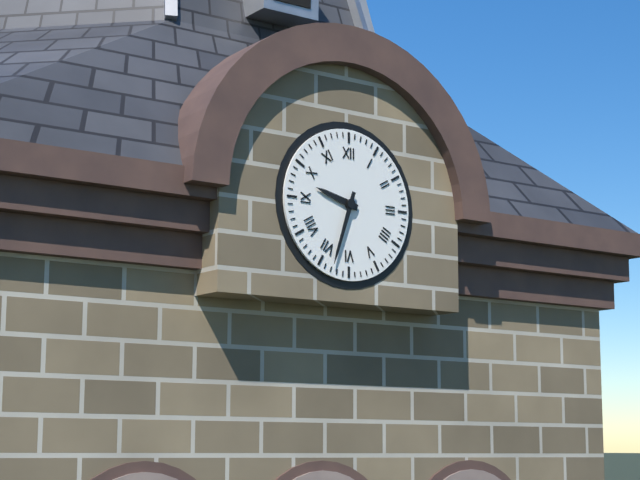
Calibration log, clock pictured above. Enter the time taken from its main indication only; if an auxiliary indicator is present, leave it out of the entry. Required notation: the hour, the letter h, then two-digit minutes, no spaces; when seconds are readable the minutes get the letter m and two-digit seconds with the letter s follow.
9h33
